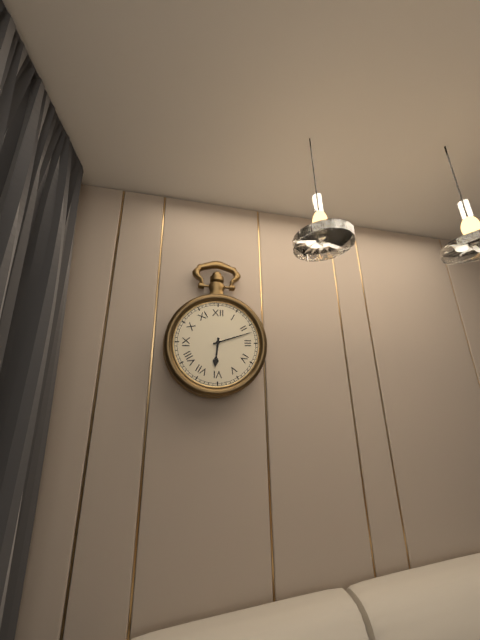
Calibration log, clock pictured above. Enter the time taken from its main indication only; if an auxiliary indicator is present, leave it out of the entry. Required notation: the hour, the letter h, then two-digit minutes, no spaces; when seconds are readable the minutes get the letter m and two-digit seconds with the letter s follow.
6h12
